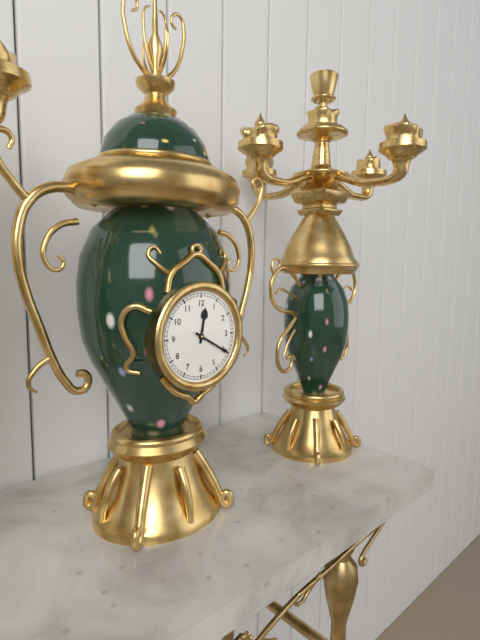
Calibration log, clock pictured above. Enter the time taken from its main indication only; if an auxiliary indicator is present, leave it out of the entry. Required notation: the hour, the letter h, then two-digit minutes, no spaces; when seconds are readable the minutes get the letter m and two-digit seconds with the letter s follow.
12h20
